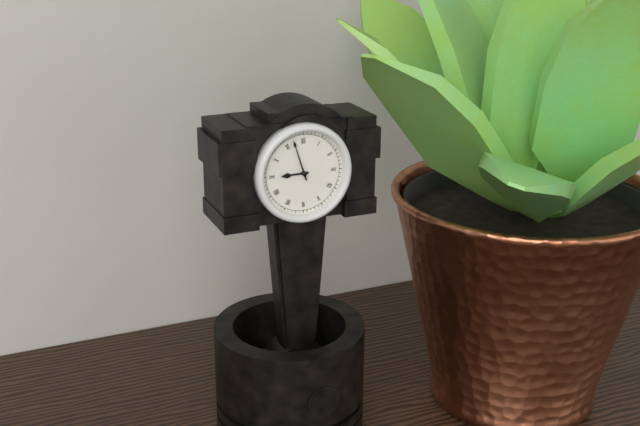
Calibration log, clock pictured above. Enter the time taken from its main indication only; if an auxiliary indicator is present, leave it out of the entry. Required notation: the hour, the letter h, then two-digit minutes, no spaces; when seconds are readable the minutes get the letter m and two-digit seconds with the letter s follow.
8h57
